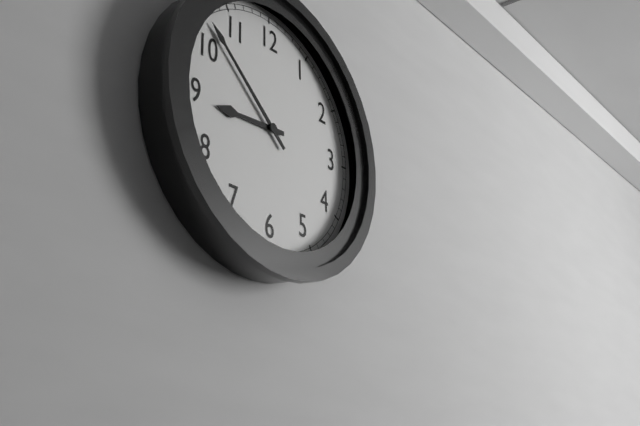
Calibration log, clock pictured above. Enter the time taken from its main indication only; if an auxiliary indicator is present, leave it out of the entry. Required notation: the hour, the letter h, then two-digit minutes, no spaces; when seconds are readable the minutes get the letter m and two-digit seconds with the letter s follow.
8h52
